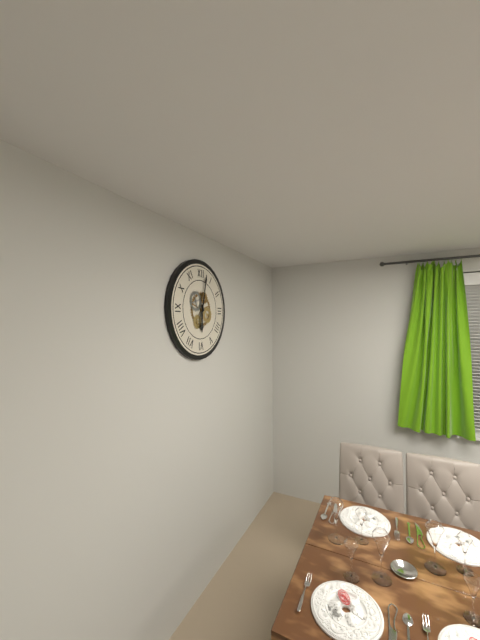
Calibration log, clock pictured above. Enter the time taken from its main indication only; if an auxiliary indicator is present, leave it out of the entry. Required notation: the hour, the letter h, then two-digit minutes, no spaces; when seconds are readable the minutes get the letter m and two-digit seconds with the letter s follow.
6h02
